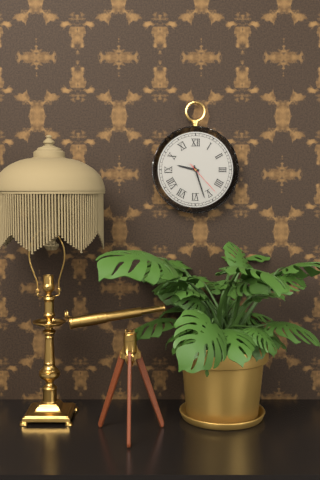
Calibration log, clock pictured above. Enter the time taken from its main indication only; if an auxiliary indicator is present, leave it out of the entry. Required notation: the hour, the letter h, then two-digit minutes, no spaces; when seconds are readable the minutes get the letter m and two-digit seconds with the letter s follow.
9h27
